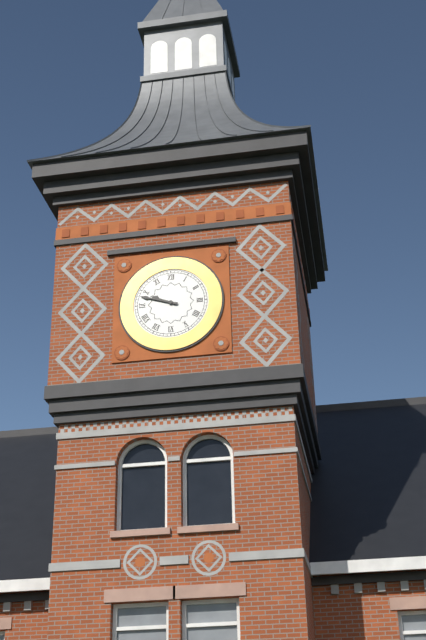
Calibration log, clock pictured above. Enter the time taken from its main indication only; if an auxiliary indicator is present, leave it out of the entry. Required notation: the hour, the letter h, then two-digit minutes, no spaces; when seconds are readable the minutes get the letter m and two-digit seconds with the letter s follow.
9h48
